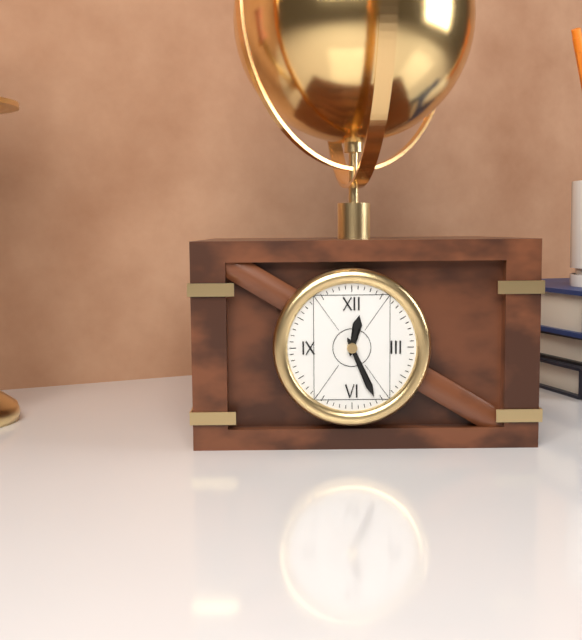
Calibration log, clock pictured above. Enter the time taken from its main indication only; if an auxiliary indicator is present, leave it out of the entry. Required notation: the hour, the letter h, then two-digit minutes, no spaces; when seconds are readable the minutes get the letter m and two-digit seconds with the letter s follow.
12h26
